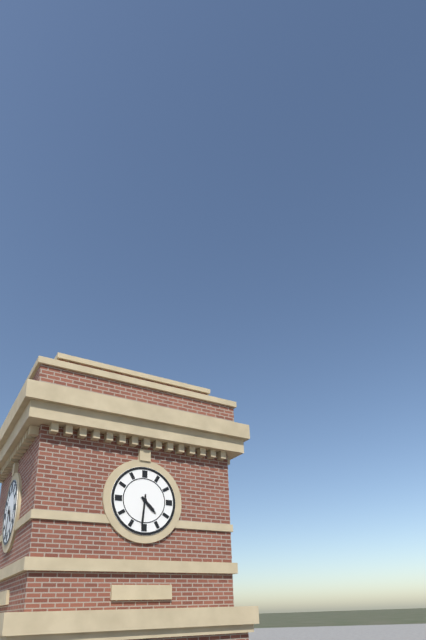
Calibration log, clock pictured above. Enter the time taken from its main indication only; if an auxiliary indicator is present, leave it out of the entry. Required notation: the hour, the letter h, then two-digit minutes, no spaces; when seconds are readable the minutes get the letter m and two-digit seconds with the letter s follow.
4h31
